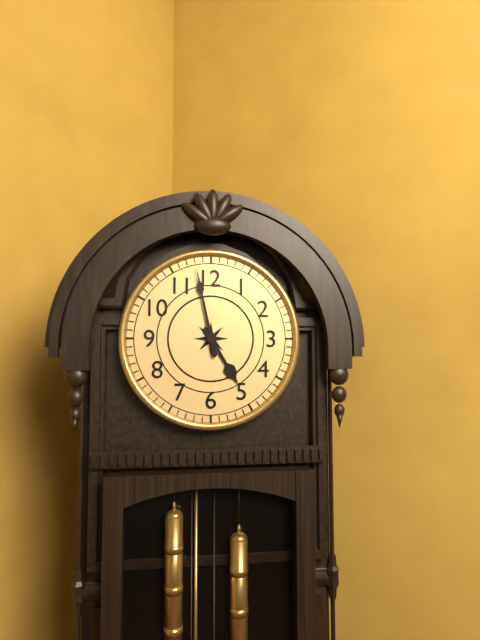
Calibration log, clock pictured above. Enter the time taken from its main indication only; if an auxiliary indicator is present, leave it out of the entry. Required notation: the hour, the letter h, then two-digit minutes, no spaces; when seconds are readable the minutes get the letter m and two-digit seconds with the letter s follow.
4h58
